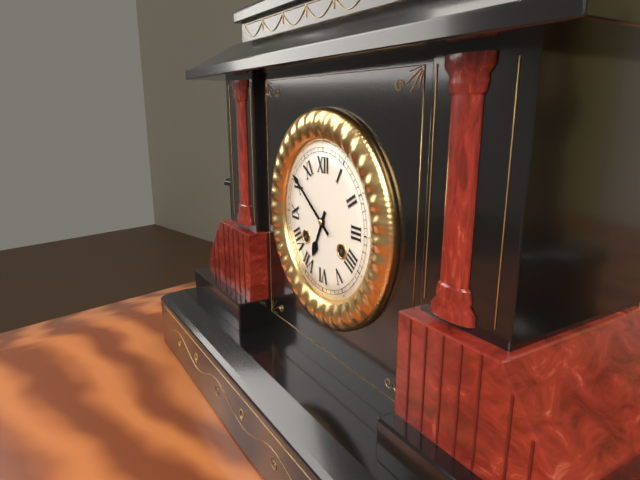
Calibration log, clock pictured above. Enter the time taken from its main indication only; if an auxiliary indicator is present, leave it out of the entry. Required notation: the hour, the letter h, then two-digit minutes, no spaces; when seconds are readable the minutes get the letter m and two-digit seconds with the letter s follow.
6h51
